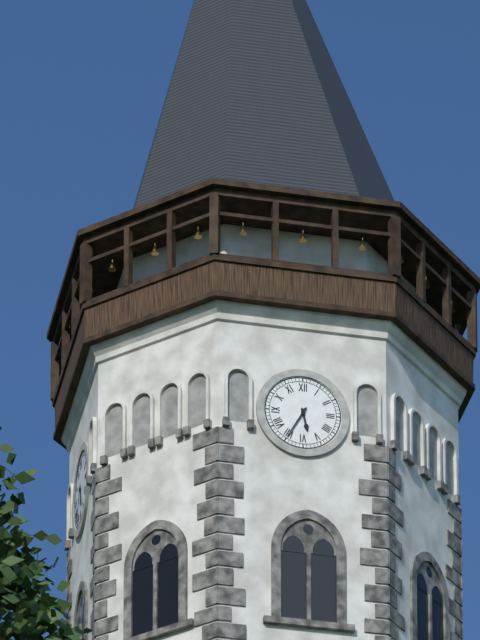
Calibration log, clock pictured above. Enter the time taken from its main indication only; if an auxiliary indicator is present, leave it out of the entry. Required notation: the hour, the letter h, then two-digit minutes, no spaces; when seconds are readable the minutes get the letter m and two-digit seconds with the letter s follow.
5h35
